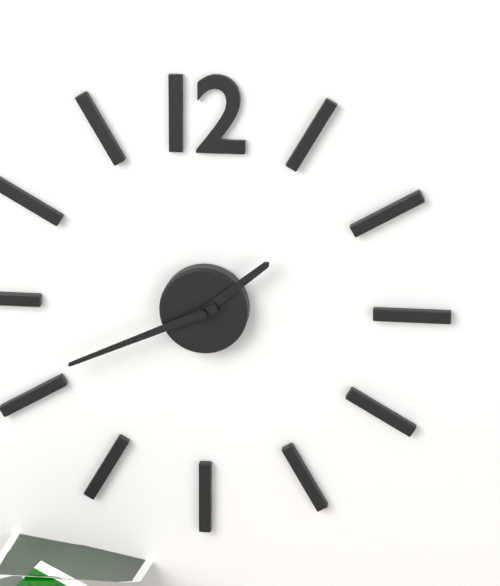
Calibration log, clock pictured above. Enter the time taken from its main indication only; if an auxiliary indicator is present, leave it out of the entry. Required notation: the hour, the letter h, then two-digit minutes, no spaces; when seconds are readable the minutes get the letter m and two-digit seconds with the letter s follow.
1h41
